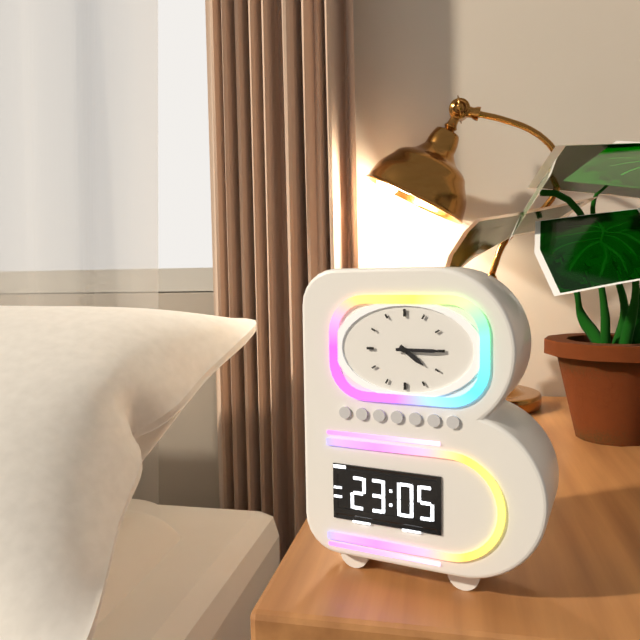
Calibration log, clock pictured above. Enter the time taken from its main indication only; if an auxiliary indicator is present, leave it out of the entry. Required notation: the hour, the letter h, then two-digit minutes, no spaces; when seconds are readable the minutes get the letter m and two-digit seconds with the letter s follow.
4h15
